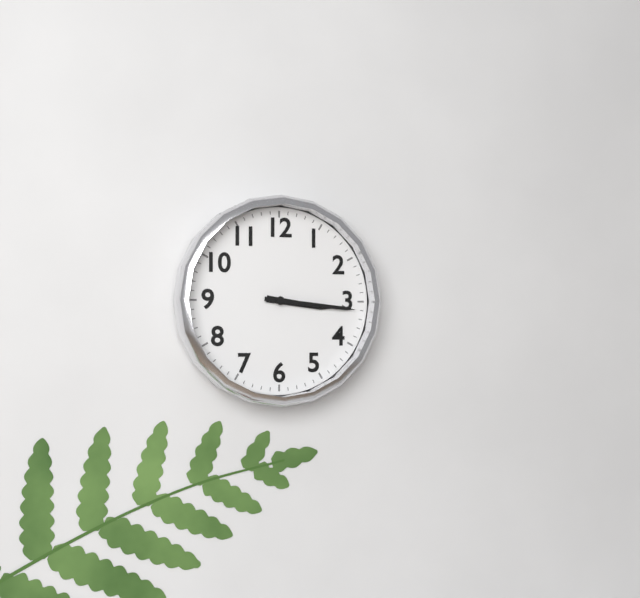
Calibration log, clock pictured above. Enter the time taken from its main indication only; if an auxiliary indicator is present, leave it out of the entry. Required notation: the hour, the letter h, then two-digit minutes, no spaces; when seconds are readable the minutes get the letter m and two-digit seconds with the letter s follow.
3h16
